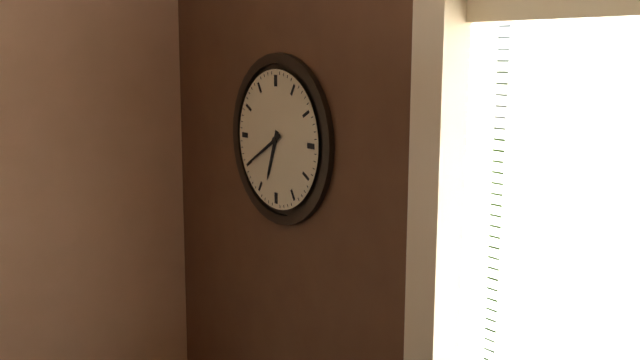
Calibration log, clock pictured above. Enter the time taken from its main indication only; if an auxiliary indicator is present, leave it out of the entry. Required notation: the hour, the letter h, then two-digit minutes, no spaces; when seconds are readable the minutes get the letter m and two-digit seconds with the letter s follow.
6h40
